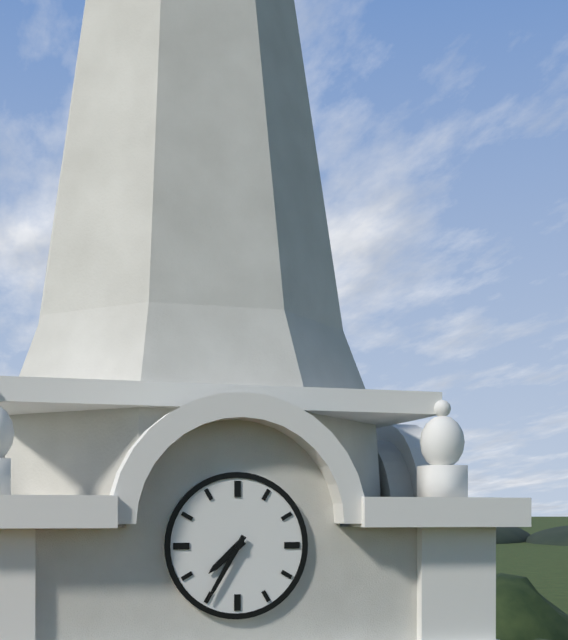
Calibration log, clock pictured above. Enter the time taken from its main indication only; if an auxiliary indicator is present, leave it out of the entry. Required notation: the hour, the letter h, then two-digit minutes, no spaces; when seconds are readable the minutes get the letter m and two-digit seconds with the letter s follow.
7h35
